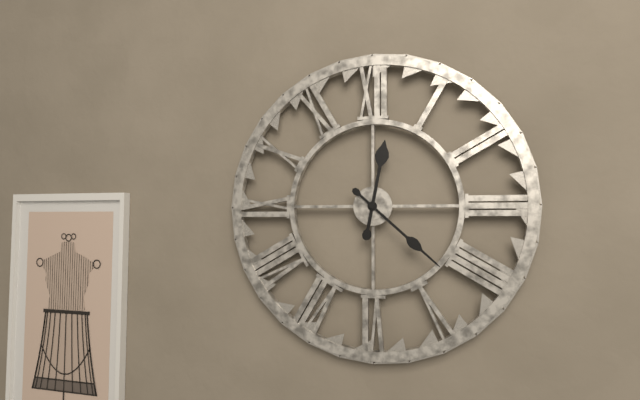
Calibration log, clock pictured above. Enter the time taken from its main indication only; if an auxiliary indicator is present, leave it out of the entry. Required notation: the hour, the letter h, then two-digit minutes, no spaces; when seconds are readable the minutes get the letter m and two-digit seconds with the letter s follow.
12h22
